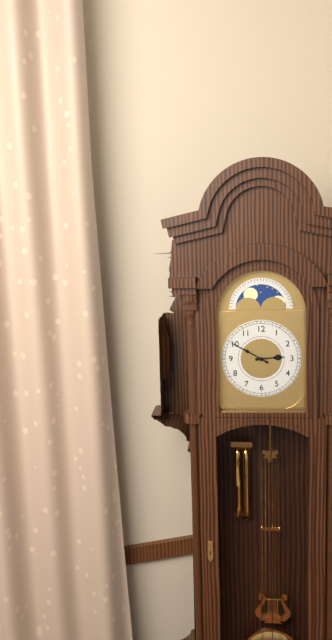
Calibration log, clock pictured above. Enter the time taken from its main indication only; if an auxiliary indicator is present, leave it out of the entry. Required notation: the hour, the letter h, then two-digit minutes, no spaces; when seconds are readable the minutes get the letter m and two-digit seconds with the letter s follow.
2h50
